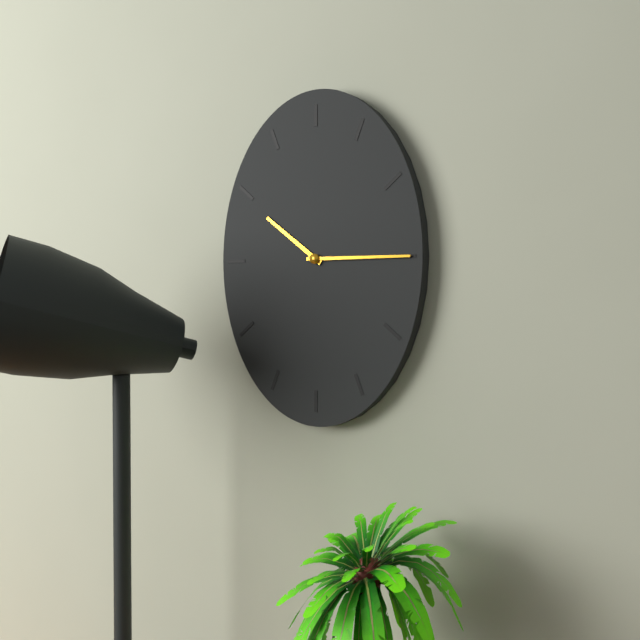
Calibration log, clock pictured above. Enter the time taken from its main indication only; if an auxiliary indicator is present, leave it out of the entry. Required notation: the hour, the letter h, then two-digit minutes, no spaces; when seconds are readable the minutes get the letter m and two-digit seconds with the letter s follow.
10h15
